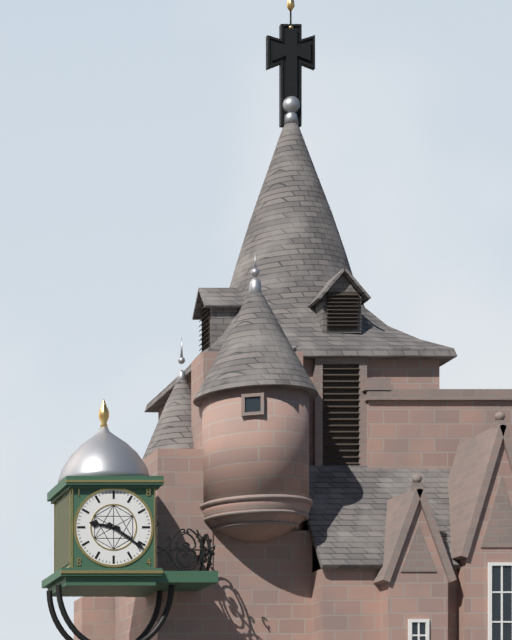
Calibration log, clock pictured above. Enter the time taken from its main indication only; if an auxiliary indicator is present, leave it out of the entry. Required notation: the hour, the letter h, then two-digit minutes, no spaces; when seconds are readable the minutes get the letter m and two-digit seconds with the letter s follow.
9h21
